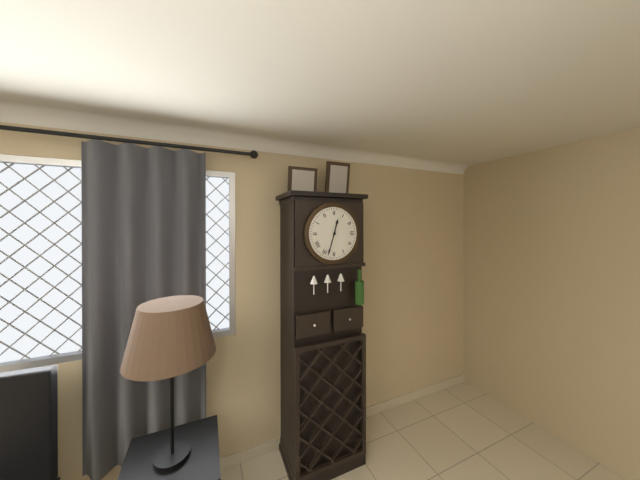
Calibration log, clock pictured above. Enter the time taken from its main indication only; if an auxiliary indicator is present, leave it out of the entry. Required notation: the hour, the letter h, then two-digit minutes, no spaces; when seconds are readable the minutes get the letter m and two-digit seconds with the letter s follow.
12h33
